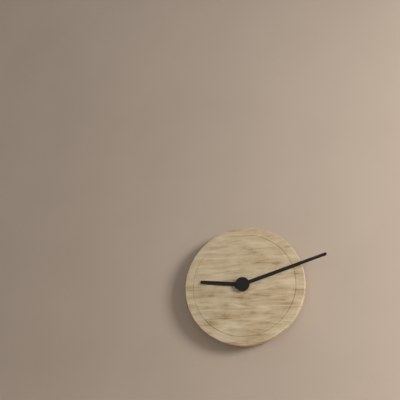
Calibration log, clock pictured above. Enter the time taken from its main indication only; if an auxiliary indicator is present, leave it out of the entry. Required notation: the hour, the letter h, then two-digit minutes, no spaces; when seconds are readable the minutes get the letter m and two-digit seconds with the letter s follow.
9h12
